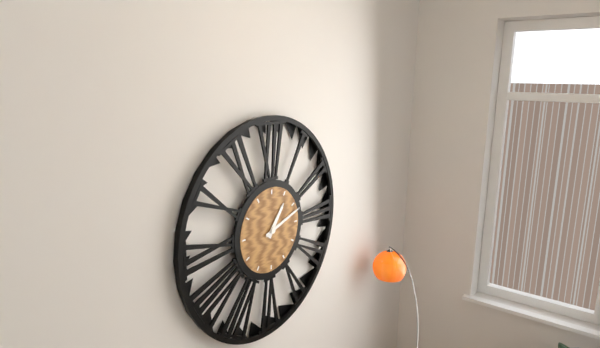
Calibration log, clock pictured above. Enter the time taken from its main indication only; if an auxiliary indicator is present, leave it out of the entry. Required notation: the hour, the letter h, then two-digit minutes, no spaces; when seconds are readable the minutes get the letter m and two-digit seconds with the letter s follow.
1h12
